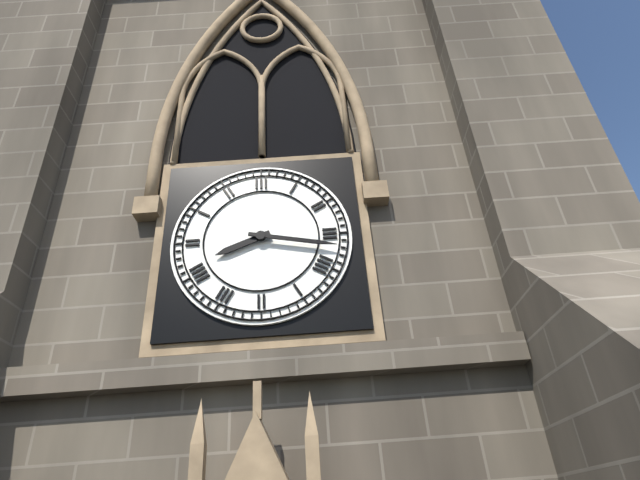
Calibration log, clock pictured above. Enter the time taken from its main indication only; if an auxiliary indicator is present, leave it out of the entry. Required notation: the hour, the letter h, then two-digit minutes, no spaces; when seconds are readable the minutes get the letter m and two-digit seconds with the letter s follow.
8h17
